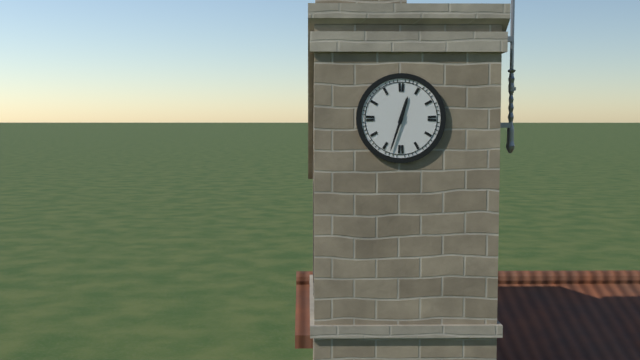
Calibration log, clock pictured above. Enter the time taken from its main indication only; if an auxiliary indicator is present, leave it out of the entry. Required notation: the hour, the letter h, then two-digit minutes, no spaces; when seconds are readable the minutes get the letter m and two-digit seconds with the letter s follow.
12h33
